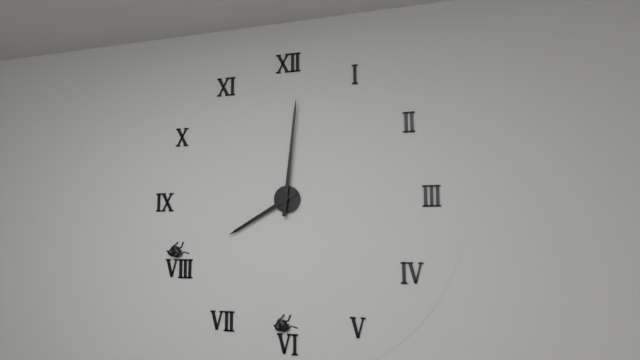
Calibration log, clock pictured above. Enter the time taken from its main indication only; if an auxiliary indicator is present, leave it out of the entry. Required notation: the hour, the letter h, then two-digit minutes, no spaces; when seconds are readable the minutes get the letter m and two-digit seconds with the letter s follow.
8h01
